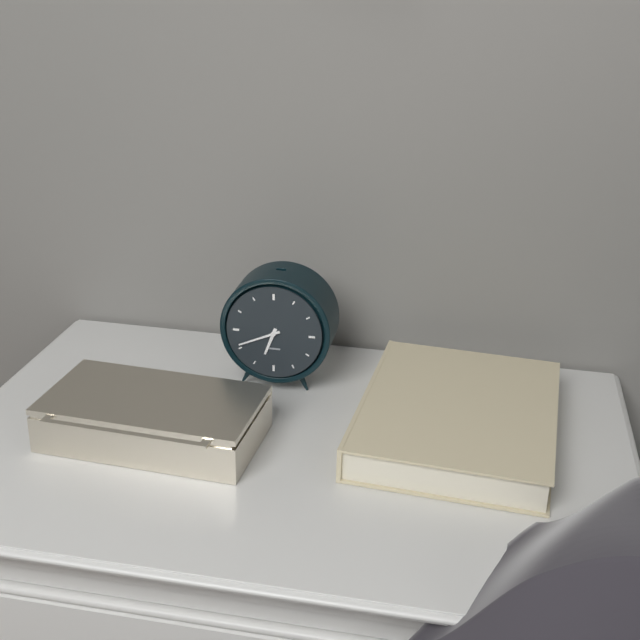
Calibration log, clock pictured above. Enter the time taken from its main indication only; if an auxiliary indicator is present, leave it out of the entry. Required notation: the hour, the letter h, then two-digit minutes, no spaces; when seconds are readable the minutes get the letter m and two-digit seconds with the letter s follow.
6h41
